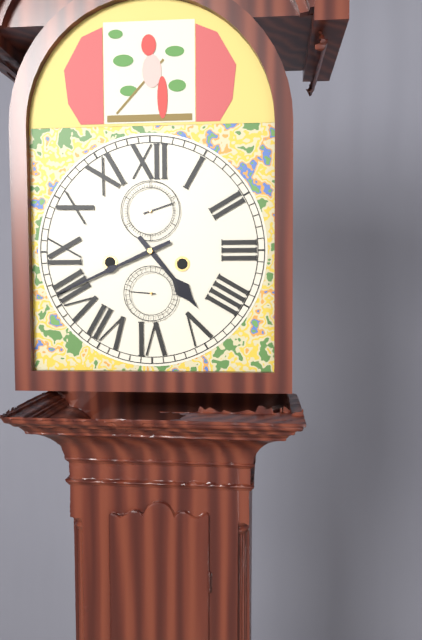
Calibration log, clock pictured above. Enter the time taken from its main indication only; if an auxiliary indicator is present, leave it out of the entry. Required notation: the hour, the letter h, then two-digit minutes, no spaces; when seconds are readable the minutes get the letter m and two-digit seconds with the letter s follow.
4h41
